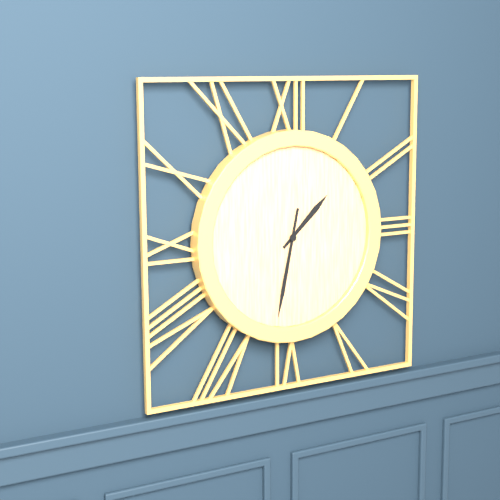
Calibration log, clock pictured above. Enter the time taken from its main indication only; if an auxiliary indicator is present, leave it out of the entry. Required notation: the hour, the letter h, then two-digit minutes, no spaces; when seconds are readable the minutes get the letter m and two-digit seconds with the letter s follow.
1h32
